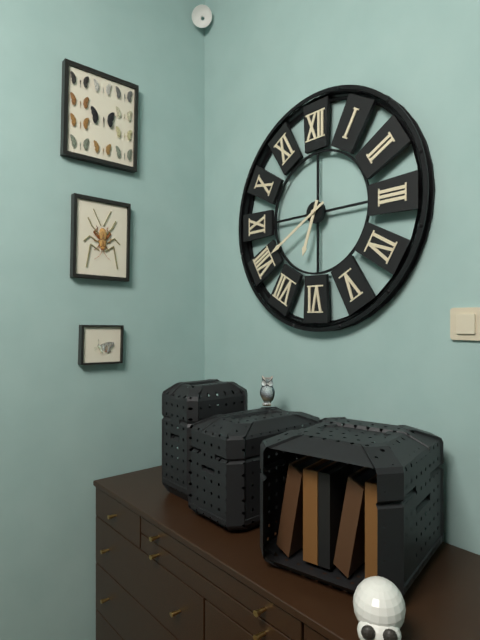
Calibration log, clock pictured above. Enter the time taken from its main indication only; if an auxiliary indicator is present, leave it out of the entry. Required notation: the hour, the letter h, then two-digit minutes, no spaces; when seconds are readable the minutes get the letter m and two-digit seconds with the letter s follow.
6h40
